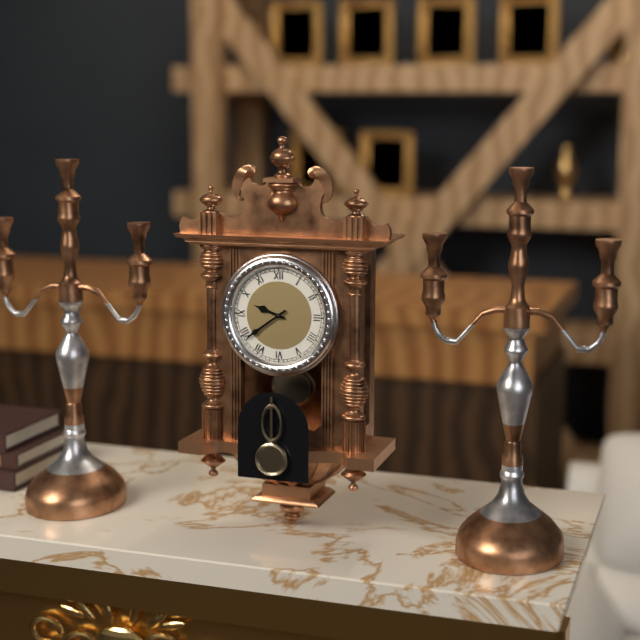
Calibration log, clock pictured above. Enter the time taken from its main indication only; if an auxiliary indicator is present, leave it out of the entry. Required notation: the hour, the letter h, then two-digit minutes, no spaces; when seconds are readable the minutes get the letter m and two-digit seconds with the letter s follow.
9h39
